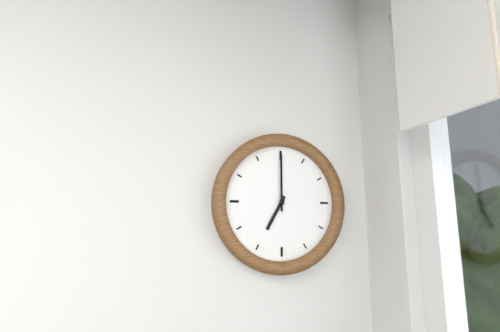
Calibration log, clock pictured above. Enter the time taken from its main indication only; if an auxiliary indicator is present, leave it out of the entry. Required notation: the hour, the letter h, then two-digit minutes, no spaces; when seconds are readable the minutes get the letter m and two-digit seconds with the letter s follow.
7h00
